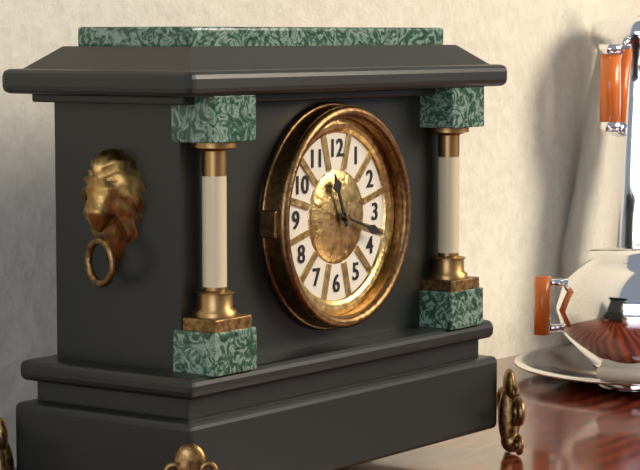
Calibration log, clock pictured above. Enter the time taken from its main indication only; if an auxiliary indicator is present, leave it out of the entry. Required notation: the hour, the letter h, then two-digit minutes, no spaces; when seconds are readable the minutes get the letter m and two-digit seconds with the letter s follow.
11h18
